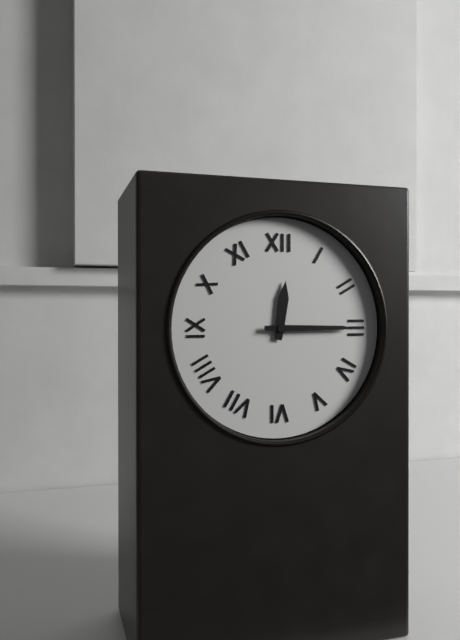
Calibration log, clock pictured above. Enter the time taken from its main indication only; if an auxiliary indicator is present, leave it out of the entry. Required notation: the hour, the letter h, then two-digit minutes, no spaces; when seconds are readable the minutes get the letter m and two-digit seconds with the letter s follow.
12h15
